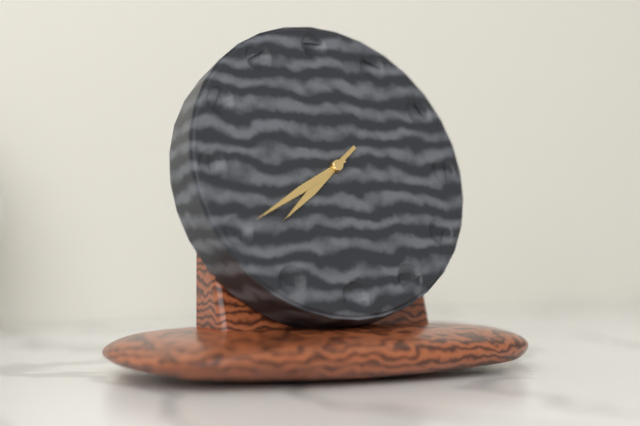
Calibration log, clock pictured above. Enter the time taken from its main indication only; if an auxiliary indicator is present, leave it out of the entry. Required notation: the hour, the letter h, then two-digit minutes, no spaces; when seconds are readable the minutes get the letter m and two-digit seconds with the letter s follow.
7h40
